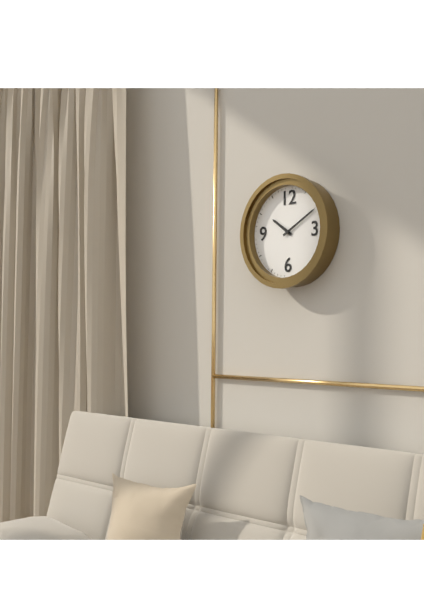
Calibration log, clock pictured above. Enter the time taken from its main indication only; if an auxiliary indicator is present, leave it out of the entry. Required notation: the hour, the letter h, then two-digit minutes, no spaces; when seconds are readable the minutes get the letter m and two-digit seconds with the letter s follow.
10h10
